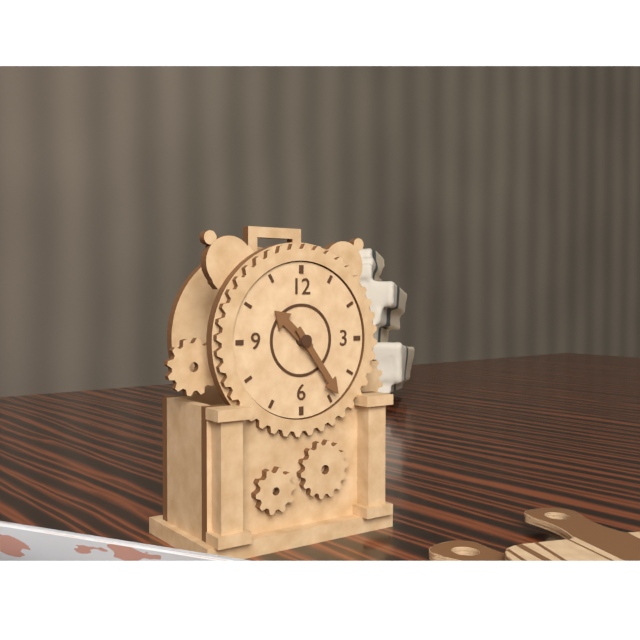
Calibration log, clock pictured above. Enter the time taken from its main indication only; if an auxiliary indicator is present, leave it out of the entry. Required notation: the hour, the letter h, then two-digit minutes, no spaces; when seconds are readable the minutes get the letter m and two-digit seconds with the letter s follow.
10h24
